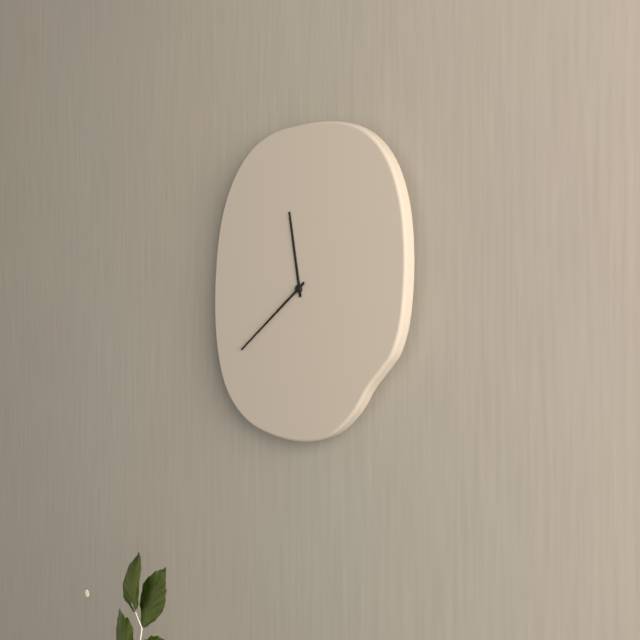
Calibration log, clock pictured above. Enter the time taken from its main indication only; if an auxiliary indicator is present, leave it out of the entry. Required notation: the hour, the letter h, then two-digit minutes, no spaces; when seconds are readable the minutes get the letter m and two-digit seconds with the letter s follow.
11h39
